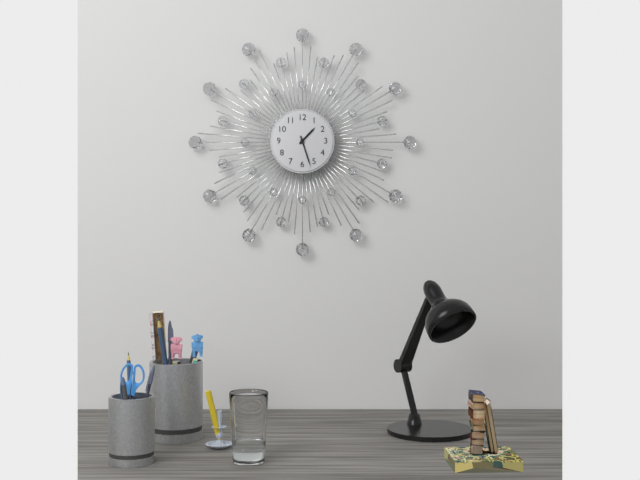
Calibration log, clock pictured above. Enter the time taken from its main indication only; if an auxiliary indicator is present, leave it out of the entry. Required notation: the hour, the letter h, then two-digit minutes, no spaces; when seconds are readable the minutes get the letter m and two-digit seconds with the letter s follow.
1h27
